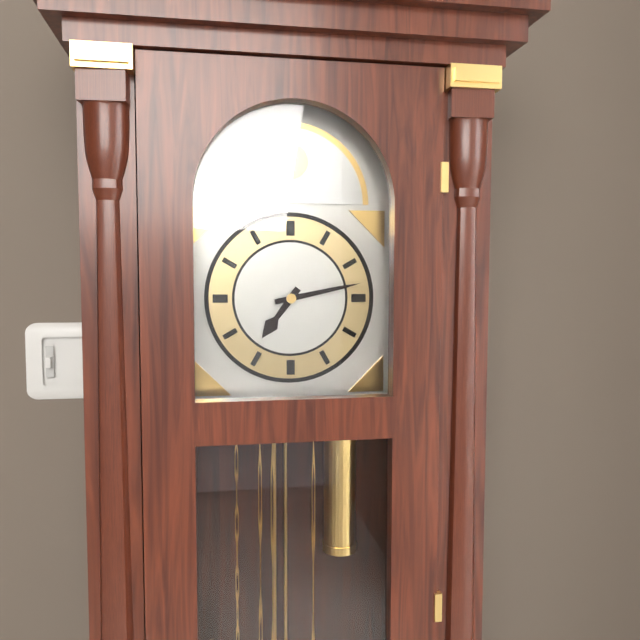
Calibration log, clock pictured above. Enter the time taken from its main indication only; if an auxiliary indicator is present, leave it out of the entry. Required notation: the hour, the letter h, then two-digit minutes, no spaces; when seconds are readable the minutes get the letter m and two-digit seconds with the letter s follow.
7h13
